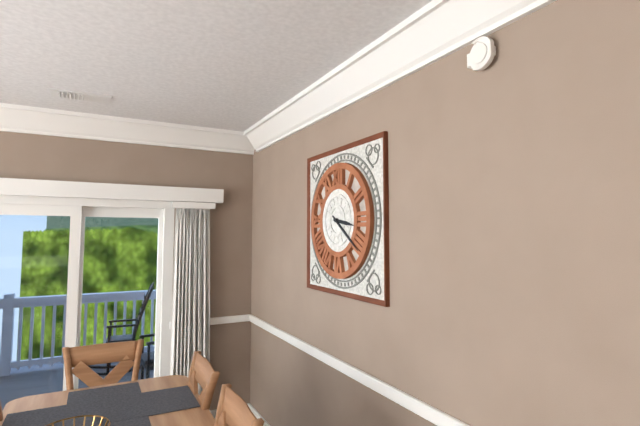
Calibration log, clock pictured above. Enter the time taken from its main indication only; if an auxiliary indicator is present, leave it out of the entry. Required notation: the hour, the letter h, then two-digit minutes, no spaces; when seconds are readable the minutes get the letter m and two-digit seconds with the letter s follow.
3h21
